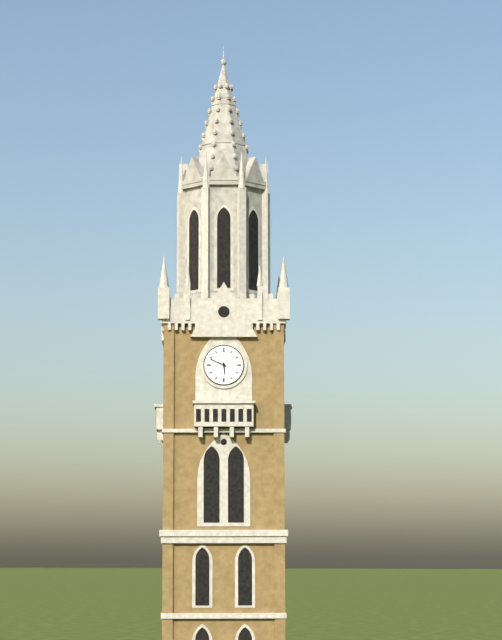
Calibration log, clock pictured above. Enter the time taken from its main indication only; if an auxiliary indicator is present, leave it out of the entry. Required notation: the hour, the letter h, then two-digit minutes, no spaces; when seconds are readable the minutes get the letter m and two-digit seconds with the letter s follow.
5h49
